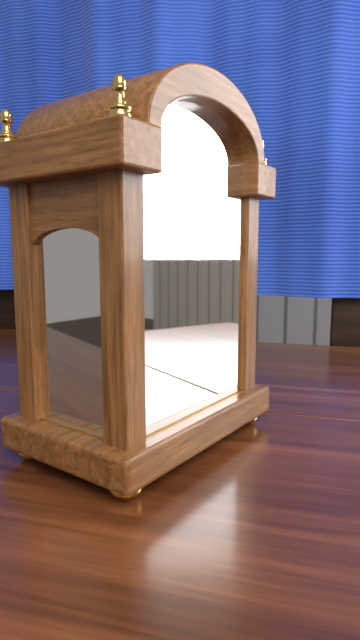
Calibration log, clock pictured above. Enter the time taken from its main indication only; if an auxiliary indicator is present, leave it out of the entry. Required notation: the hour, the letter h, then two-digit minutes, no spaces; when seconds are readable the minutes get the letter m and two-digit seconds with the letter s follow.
1h57
